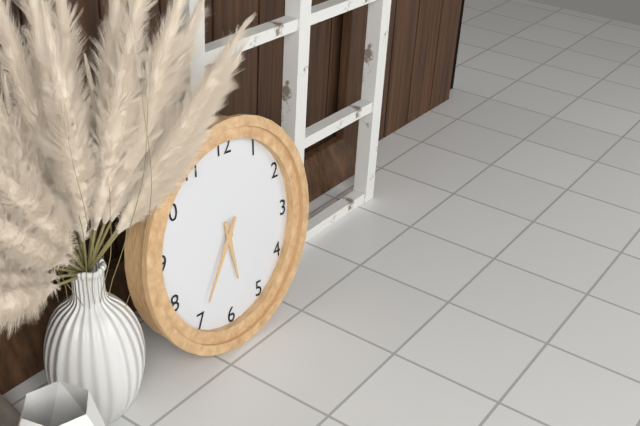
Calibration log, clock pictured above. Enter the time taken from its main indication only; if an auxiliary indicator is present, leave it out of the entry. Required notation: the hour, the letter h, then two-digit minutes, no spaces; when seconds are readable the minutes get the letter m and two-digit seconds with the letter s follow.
5h35
